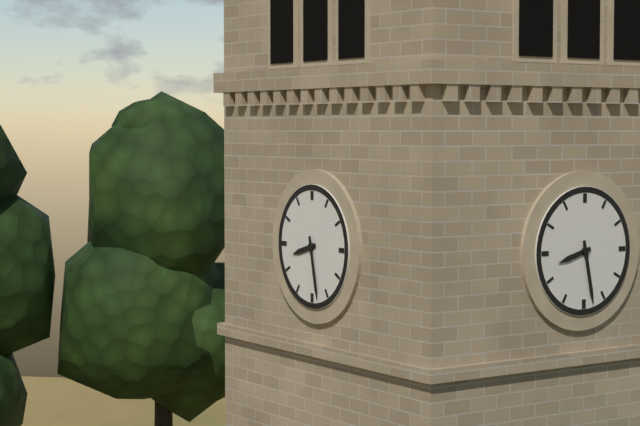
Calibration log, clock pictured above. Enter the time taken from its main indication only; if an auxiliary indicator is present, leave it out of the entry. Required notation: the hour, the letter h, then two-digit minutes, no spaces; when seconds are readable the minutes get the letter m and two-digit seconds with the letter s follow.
8h28
